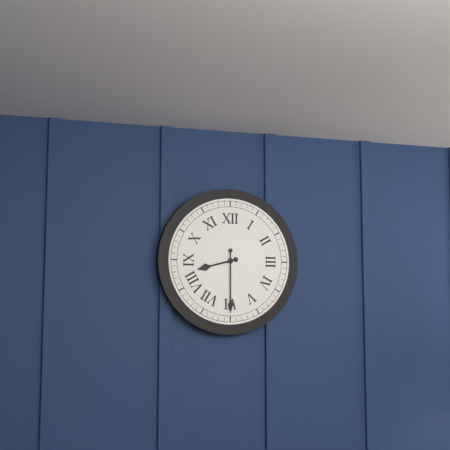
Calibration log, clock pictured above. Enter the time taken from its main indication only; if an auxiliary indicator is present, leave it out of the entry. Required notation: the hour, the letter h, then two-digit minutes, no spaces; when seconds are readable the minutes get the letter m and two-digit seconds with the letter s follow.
8h30
